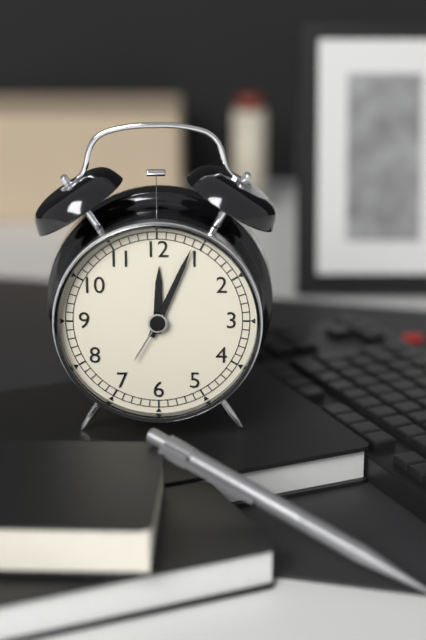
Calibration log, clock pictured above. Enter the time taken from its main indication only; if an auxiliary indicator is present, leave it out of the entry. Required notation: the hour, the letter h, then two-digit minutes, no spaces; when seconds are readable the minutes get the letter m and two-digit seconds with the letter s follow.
12h04
